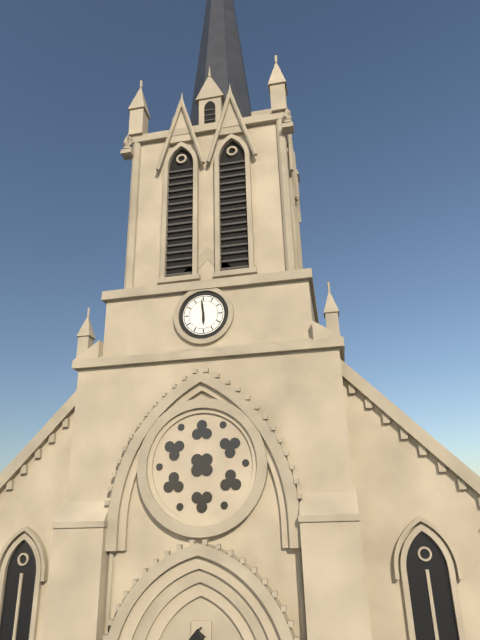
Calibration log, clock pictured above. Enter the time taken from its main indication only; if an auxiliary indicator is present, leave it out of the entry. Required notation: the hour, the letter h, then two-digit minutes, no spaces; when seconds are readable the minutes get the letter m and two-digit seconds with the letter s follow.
5h59
